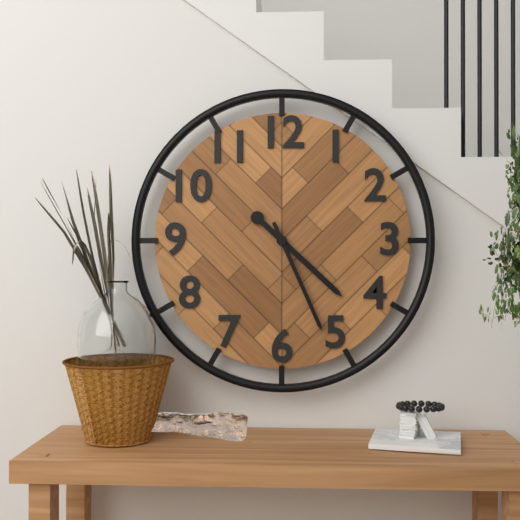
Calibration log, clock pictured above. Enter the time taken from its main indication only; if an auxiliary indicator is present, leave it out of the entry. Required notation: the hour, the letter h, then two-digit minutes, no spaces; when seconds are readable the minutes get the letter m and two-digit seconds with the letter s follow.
4h26
